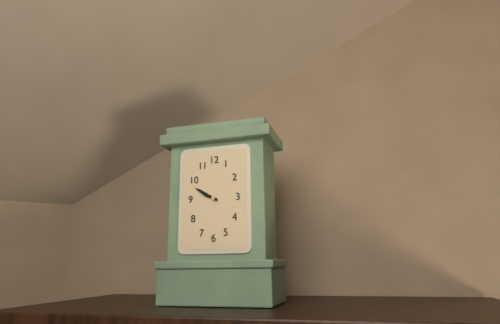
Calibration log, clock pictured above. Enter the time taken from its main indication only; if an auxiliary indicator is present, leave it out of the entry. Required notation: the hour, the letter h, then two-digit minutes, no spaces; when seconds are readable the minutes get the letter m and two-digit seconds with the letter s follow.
9h50
